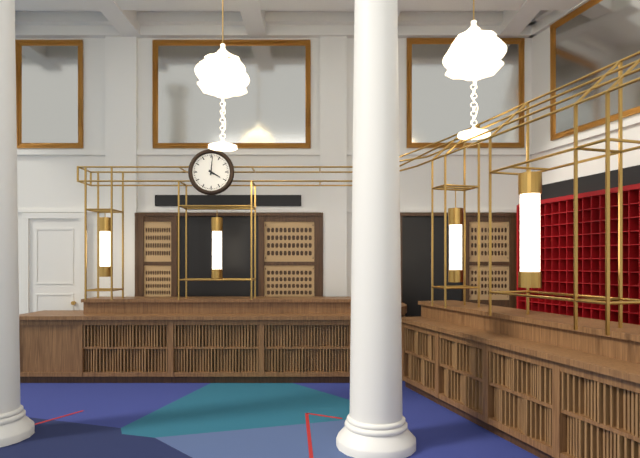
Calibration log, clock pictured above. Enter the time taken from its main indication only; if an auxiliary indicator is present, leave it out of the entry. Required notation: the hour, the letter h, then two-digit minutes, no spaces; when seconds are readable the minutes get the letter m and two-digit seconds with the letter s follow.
4h01
